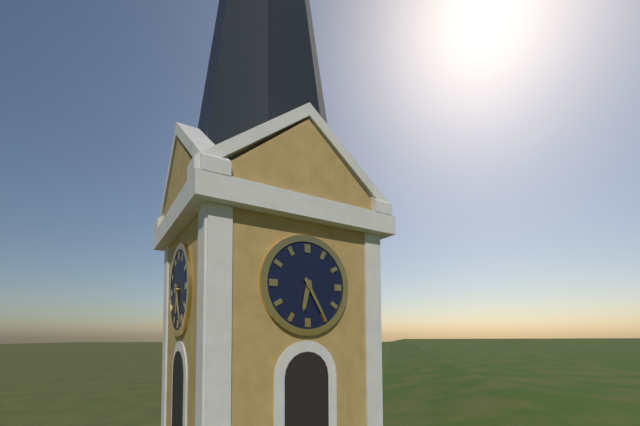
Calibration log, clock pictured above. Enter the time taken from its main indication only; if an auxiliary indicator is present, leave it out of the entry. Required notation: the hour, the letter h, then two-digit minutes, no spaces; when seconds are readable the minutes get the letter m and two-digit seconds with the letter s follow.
6h25
